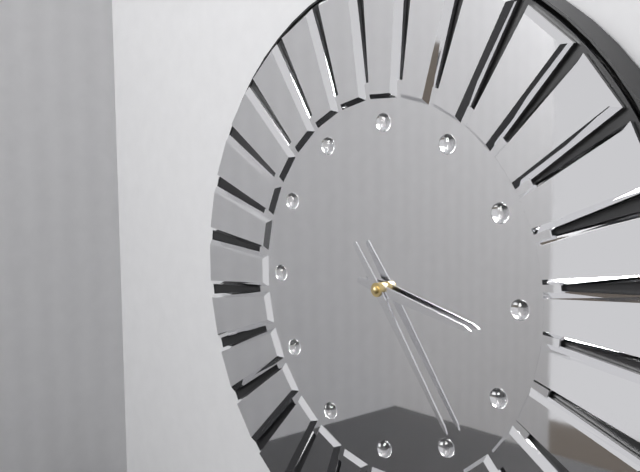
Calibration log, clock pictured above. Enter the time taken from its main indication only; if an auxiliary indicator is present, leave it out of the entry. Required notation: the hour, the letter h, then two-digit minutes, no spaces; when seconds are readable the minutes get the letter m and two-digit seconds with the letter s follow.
3h24
